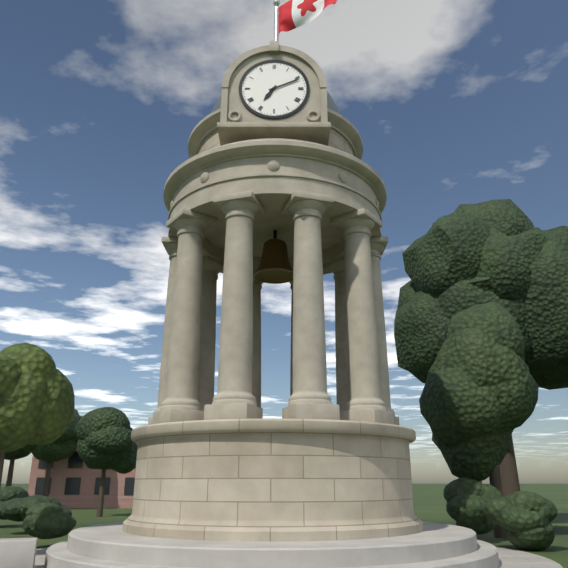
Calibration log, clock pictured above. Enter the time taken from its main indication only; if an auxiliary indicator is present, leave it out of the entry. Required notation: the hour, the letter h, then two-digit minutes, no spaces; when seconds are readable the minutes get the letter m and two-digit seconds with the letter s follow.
7h11
